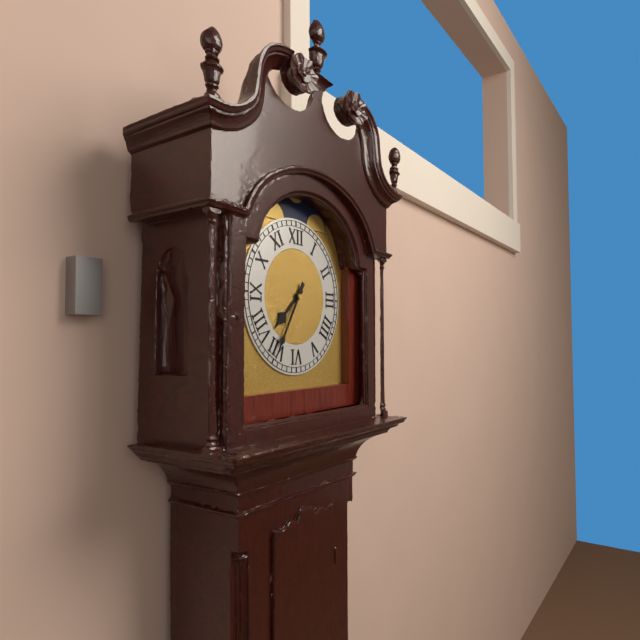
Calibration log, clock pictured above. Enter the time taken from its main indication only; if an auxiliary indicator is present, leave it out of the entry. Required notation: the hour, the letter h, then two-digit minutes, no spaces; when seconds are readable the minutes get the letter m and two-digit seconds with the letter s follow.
7h35
